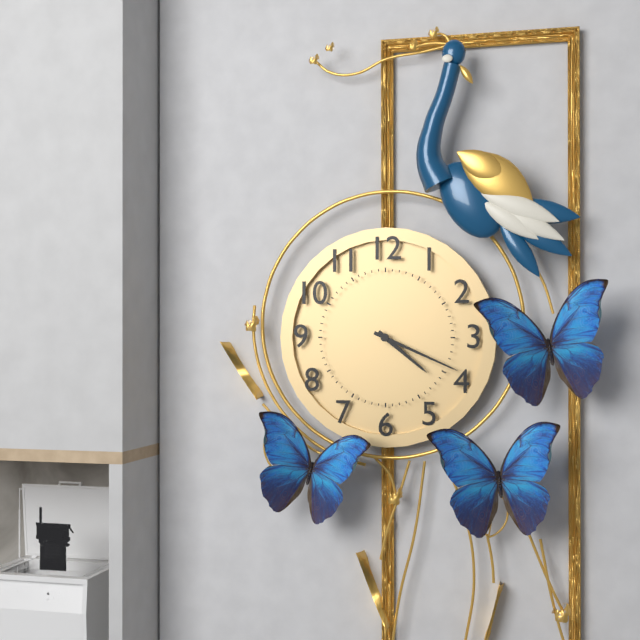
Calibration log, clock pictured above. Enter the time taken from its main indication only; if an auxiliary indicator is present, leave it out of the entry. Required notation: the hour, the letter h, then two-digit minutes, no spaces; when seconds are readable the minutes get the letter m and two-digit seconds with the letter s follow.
4h19
